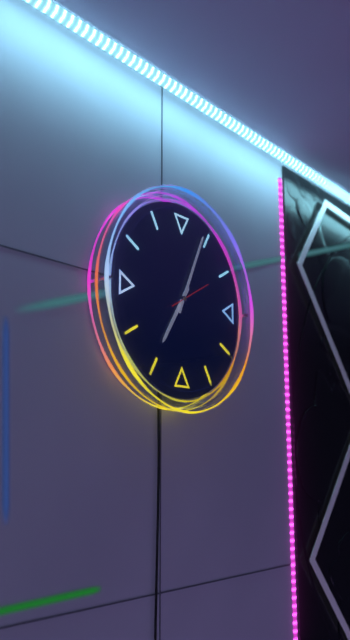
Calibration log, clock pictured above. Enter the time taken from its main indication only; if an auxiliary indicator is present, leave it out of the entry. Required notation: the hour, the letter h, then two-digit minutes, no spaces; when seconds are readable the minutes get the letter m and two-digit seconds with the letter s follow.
7h04
